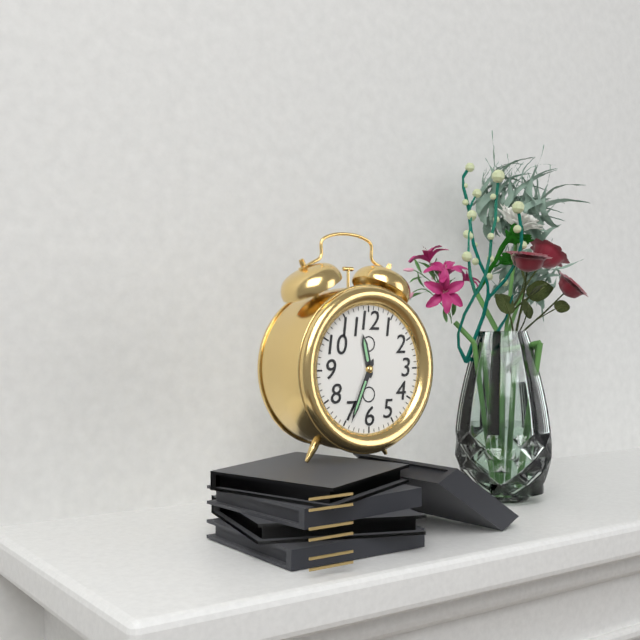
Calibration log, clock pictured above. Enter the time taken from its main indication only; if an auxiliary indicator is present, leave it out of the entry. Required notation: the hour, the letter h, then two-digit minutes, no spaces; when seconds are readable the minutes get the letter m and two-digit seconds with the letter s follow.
11h34
